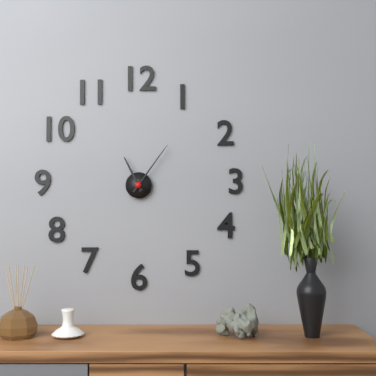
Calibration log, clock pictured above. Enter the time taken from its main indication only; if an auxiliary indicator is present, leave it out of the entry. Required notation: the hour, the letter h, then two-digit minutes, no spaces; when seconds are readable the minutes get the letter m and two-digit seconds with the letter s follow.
11h06
